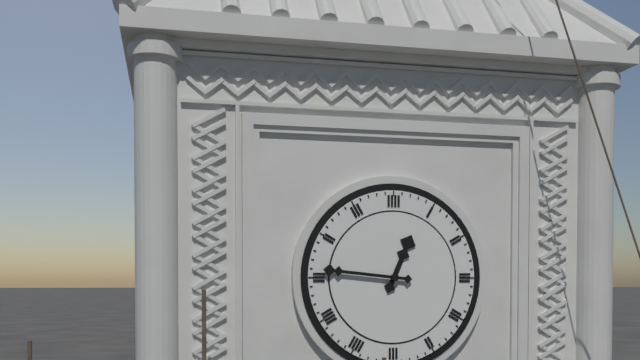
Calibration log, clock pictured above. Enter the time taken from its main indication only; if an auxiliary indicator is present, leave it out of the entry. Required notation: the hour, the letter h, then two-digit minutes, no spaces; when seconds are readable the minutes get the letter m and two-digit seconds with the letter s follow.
12h46
